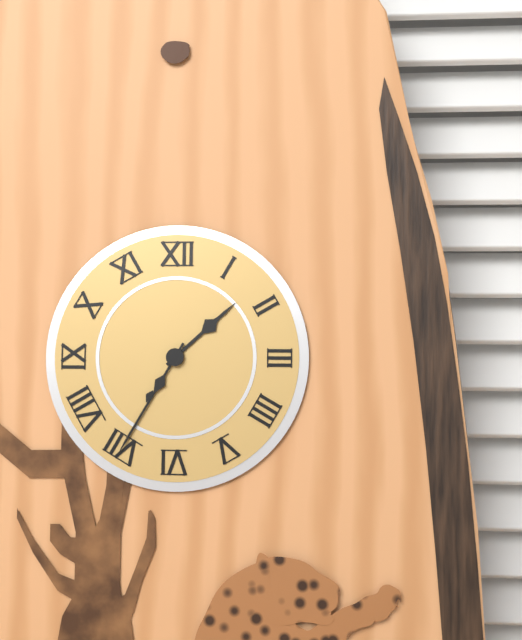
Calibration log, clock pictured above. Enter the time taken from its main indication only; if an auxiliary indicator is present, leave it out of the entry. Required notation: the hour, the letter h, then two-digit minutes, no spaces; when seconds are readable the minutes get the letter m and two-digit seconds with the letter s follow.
1h35
